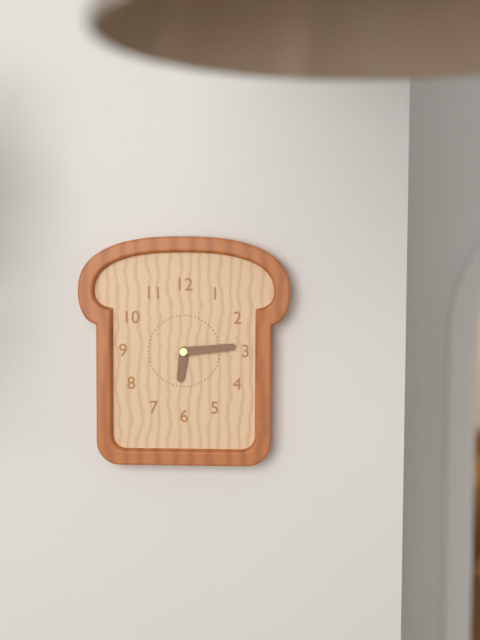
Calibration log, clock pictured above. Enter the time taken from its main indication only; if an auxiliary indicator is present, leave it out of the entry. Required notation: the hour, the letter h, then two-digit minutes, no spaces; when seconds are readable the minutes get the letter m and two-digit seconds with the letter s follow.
6h14
